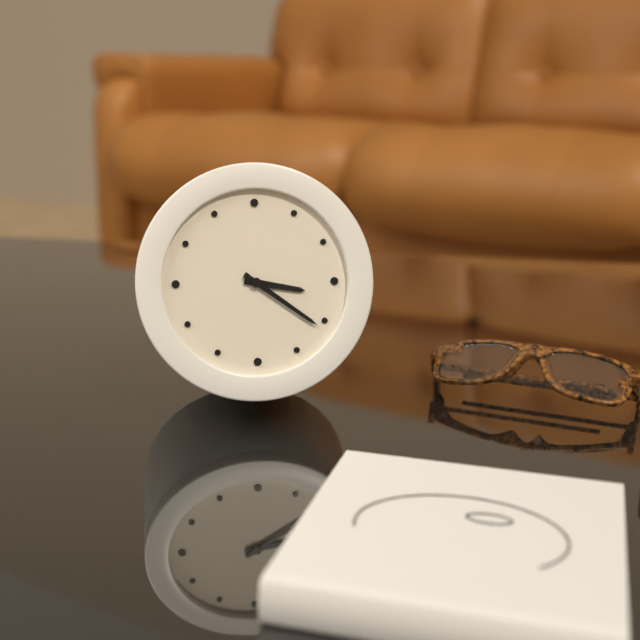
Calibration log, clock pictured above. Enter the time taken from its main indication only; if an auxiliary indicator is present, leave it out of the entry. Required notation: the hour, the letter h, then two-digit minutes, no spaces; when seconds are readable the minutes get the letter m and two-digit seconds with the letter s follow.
3h21
